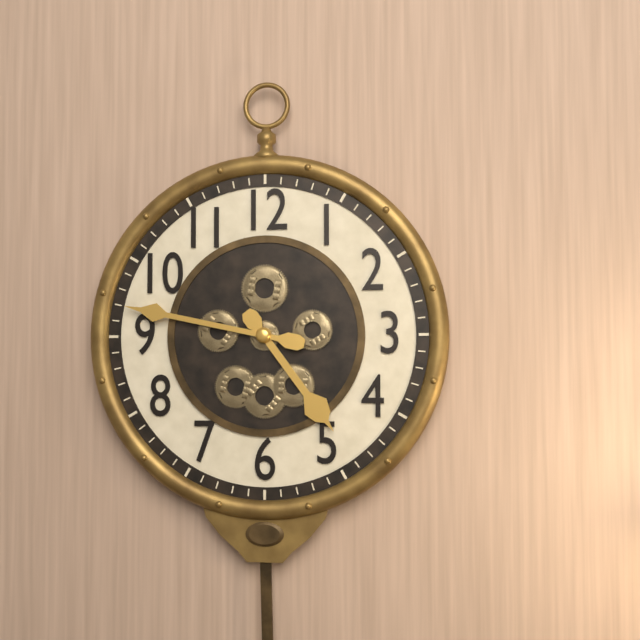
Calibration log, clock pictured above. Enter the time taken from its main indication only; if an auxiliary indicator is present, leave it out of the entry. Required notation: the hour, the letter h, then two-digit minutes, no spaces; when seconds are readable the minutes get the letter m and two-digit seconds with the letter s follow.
4h47
